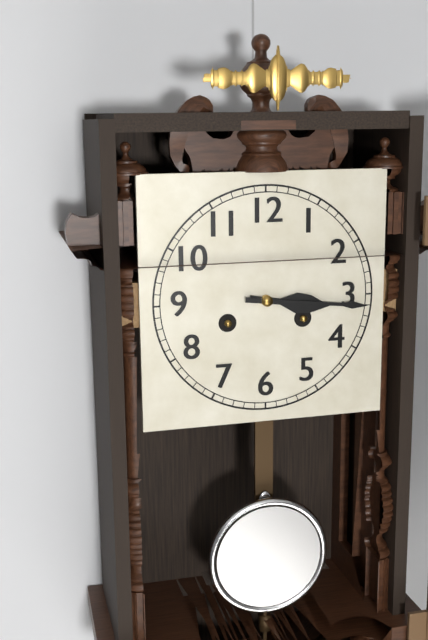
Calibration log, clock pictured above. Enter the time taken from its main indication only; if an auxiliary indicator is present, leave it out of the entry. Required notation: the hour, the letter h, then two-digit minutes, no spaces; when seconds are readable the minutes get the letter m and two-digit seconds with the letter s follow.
3h16
